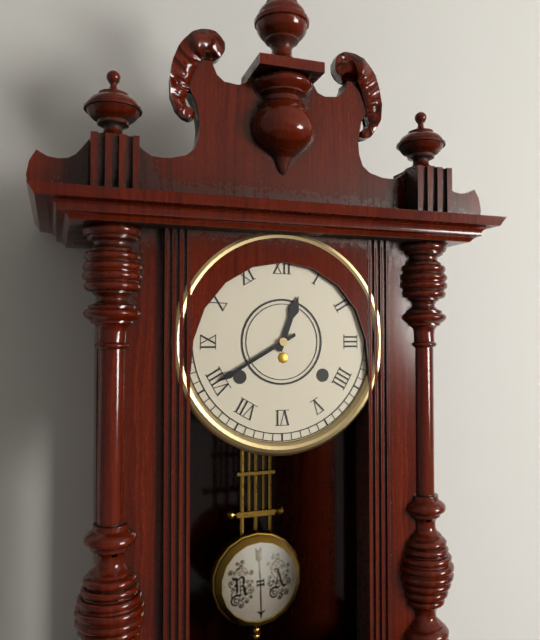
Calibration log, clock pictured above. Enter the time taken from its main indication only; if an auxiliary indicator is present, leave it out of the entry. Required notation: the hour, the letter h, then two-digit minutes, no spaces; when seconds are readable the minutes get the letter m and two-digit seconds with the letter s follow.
12h40
